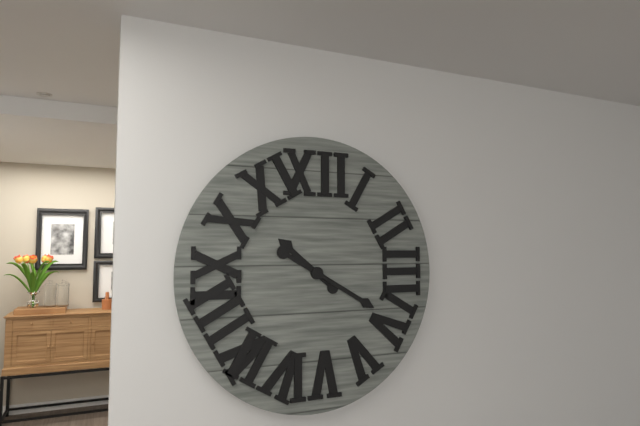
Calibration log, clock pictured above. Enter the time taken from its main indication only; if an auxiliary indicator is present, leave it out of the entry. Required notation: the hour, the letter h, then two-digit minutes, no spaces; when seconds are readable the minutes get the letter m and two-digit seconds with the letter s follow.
10h20
